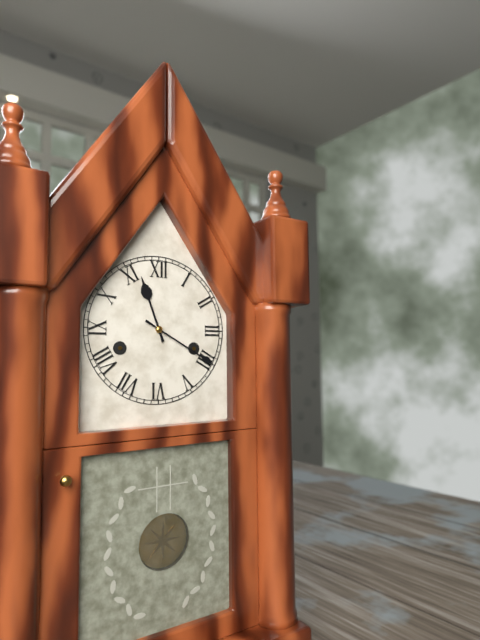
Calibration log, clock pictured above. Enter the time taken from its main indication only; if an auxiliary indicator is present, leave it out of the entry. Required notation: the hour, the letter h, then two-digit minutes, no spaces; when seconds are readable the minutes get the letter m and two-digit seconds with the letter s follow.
11h20
